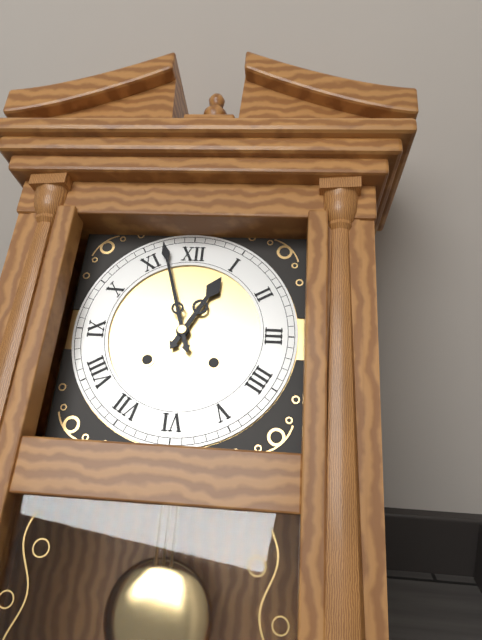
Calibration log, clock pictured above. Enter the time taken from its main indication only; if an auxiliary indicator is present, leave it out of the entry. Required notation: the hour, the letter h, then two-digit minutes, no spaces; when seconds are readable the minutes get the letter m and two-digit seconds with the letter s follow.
12h57
